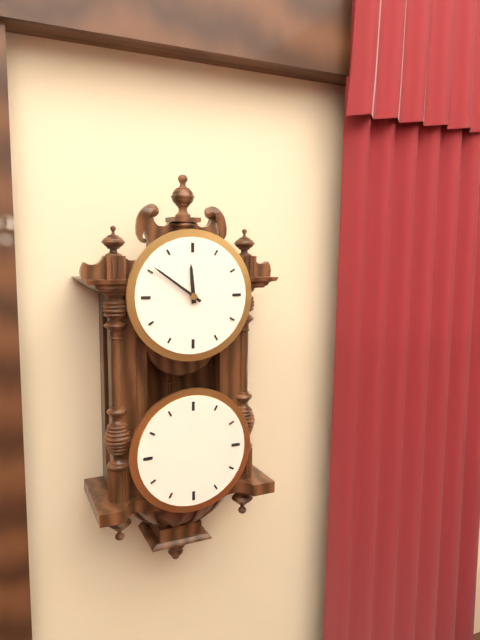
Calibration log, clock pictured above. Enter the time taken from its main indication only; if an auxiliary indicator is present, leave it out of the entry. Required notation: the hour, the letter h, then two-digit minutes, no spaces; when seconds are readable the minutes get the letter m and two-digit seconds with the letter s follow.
11h51
